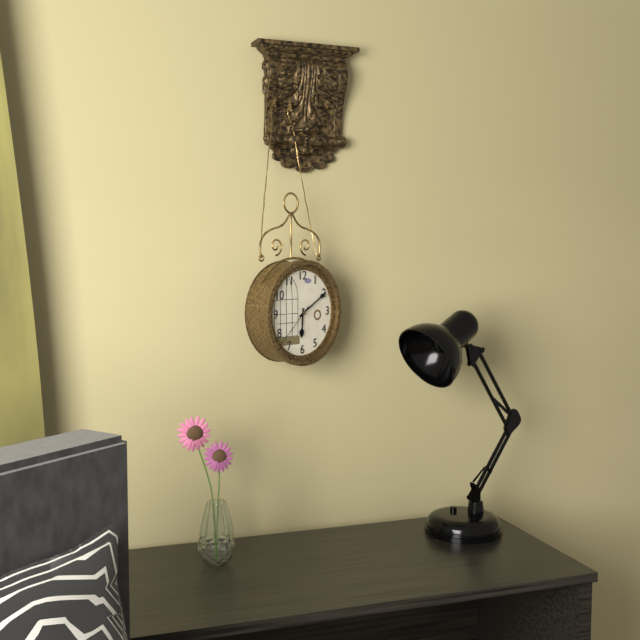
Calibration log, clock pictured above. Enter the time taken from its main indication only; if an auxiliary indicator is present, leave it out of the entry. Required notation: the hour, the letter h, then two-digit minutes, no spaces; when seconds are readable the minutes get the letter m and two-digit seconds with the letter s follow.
6h10
